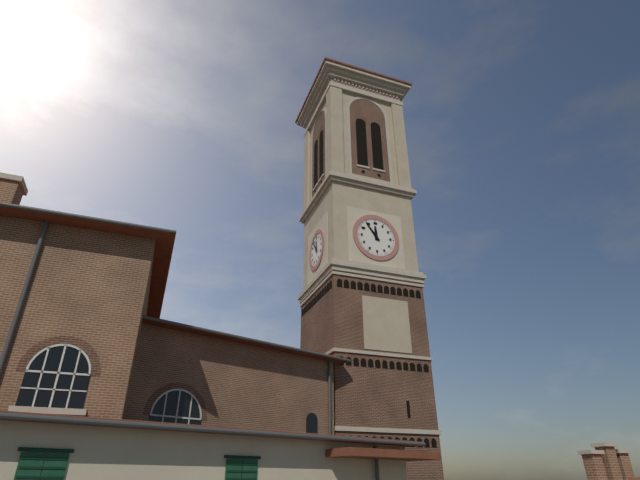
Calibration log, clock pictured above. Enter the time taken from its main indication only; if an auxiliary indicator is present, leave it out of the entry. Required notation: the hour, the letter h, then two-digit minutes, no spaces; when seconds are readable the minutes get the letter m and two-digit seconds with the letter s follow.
11h54
